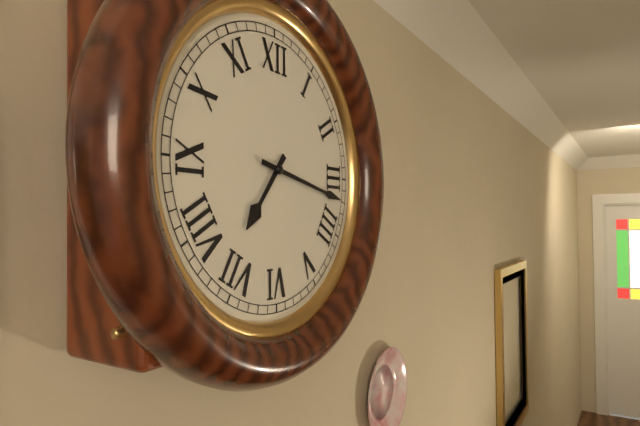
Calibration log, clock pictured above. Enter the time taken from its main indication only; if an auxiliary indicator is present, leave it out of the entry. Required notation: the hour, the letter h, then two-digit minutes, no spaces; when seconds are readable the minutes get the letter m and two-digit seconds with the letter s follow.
7h17
